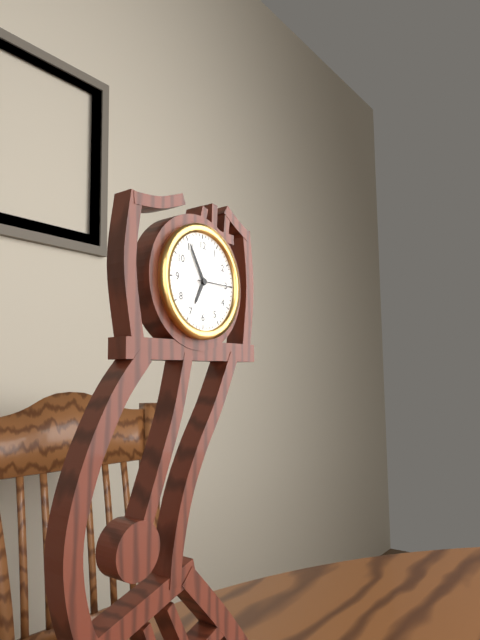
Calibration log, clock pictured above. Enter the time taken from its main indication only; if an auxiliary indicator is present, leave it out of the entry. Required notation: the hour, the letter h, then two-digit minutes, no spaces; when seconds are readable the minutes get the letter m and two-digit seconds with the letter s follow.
6h55
